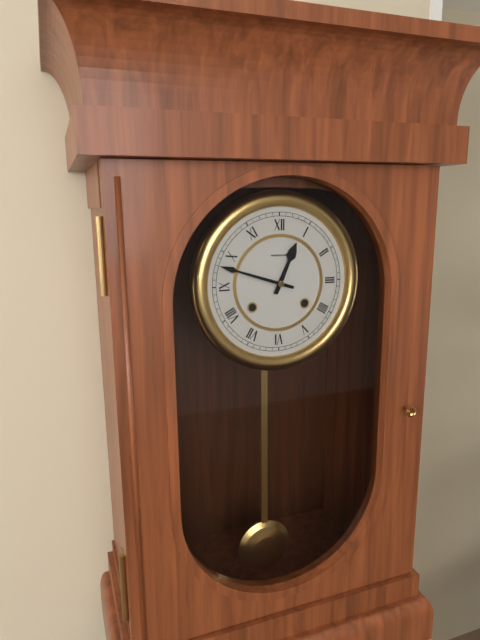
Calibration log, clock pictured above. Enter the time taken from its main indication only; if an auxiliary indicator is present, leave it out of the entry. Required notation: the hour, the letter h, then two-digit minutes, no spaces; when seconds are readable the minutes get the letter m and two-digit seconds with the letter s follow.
12h48
